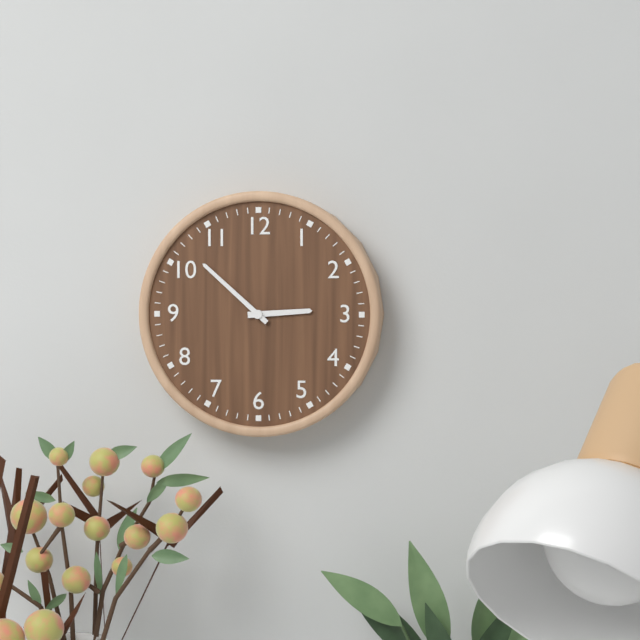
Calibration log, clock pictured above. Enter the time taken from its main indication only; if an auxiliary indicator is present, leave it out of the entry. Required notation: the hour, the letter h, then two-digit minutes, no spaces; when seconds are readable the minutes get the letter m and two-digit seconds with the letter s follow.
2h52
